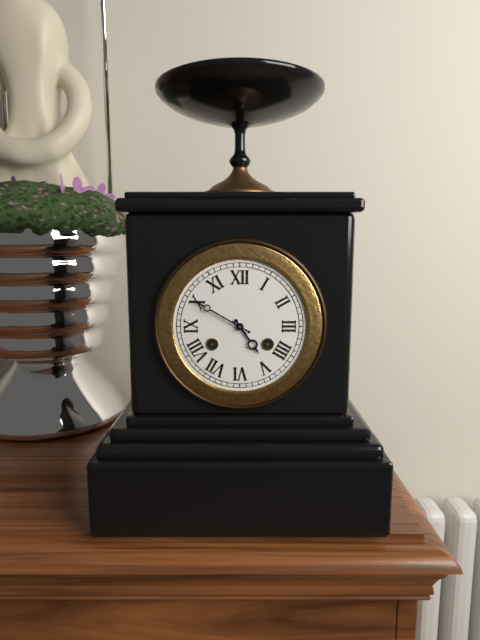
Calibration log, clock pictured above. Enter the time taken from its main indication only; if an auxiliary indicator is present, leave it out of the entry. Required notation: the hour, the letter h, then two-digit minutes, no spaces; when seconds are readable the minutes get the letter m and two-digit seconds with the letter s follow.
4h50
